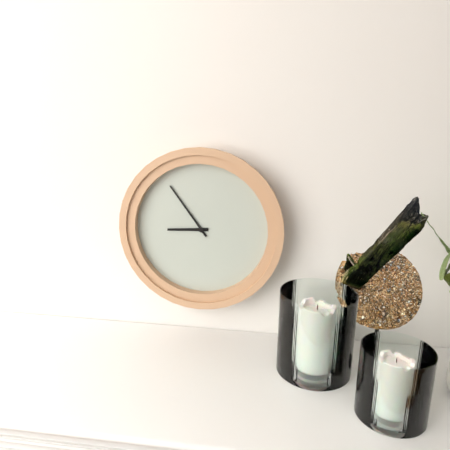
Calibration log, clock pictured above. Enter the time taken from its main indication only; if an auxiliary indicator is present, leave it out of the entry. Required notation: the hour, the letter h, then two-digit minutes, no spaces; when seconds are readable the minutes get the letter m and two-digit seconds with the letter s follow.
8h54
